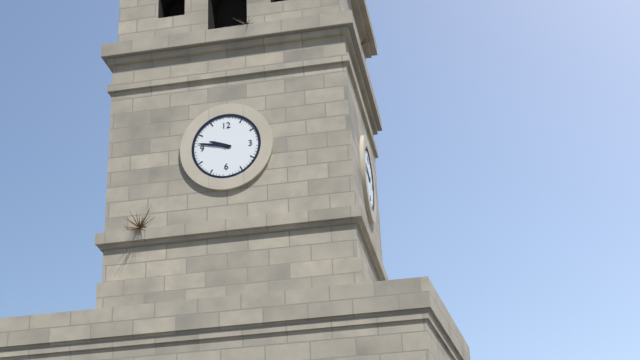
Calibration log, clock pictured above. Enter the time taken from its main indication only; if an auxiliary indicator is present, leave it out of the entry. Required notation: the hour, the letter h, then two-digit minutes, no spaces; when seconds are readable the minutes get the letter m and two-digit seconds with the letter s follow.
9h47
